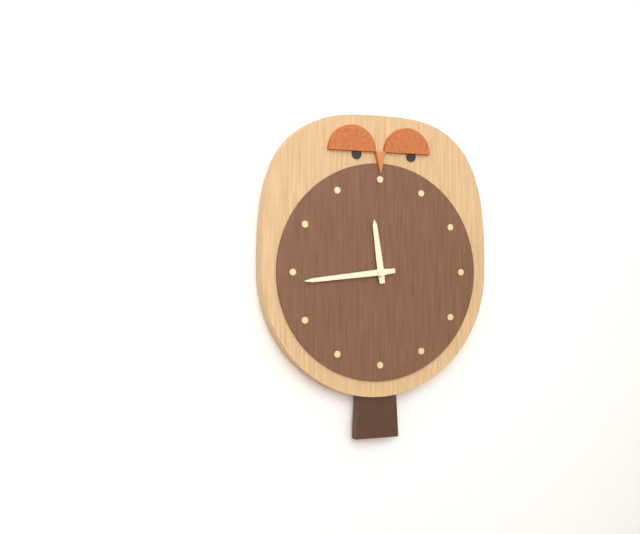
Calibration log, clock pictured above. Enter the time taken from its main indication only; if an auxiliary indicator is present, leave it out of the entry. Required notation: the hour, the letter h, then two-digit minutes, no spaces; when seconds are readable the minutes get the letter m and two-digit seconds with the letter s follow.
11h44
